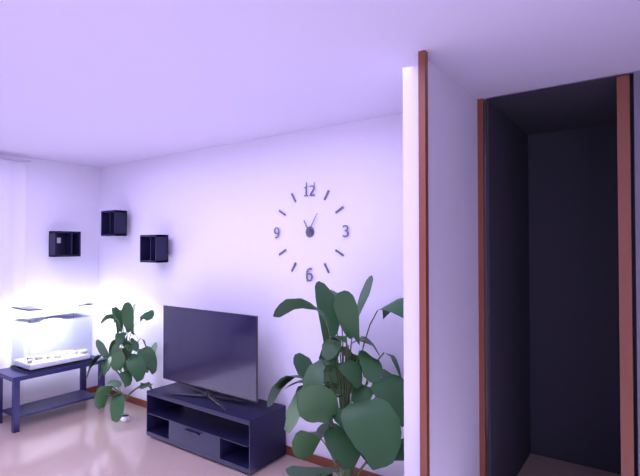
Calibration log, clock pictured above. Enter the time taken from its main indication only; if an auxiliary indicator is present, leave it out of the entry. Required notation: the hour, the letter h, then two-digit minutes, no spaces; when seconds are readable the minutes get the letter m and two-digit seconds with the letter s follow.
11h05
